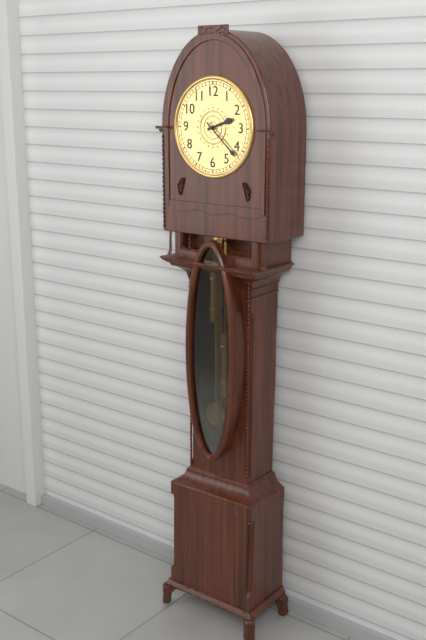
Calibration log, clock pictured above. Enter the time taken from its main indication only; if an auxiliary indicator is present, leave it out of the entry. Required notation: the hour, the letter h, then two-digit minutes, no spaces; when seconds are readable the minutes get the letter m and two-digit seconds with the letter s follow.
2h22
